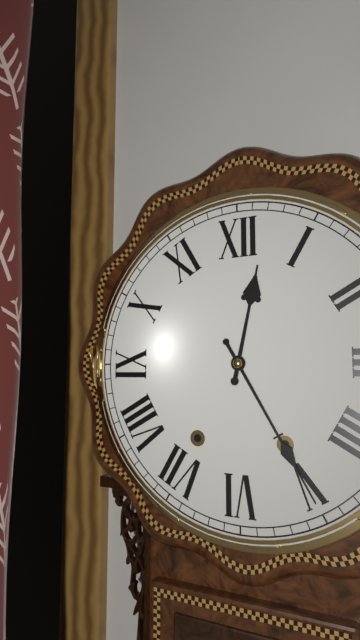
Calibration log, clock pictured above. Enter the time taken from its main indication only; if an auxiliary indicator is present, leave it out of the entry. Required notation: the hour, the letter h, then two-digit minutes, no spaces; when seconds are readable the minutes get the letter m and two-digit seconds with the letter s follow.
12h25
